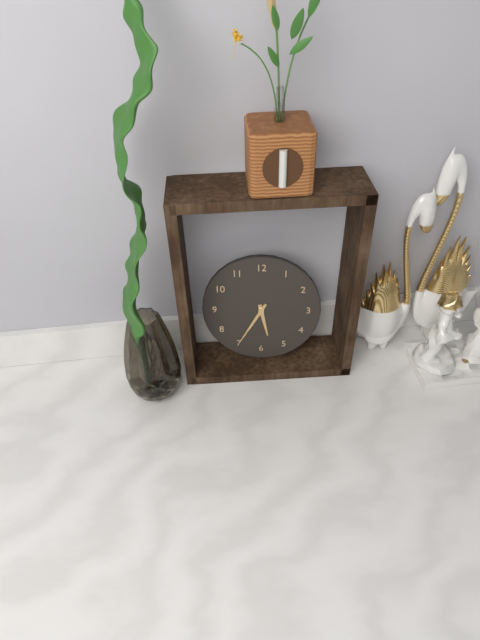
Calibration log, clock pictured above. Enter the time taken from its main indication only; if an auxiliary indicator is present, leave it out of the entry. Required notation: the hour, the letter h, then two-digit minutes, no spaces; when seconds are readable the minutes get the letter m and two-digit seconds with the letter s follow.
5h35
